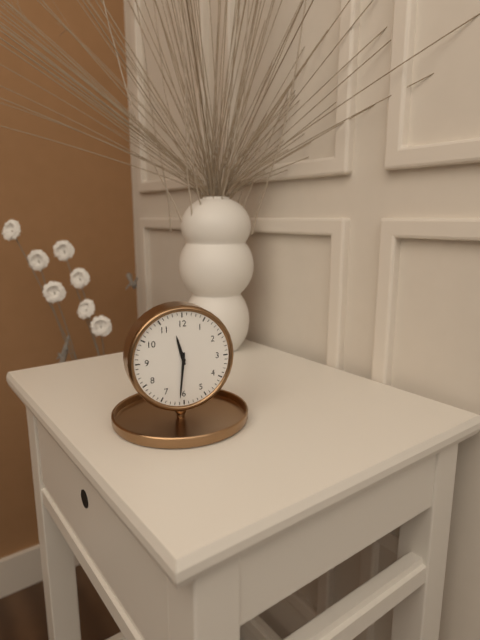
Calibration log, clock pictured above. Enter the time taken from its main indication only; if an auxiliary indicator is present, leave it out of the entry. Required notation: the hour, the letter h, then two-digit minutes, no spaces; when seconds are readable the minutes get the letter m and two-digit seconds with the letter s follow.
11h31
